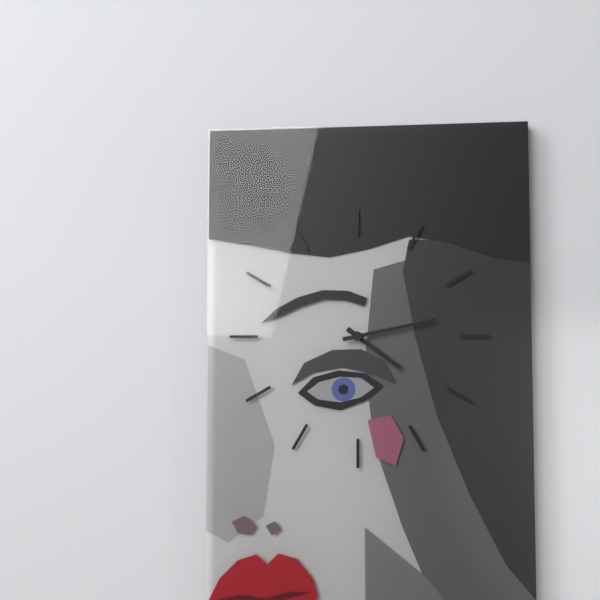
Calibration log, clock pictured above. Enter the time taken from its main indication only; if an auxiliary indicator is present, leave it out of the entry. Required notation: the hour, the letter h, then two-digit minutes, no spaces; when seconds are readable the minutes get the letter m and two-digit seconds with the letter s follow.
4h13
